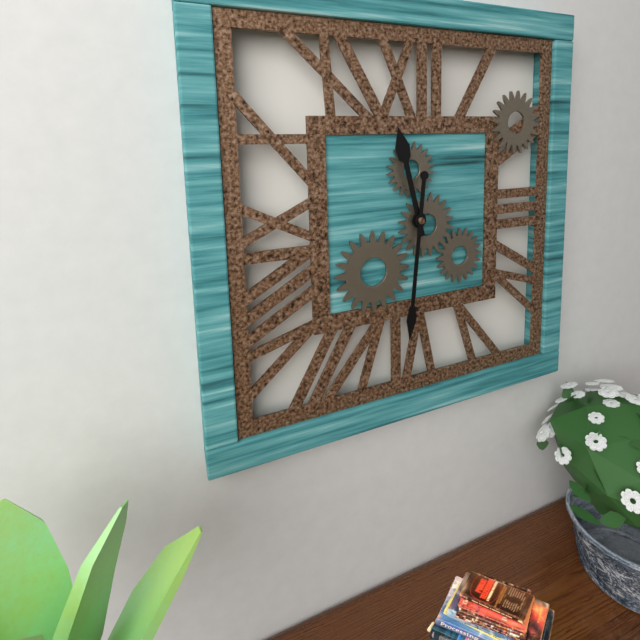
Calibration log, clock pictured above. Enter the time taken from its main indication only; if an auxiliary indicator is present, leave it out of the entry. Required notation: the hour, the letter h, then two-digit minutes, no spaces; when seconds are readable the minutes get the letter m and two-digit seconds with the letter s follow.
11h31
